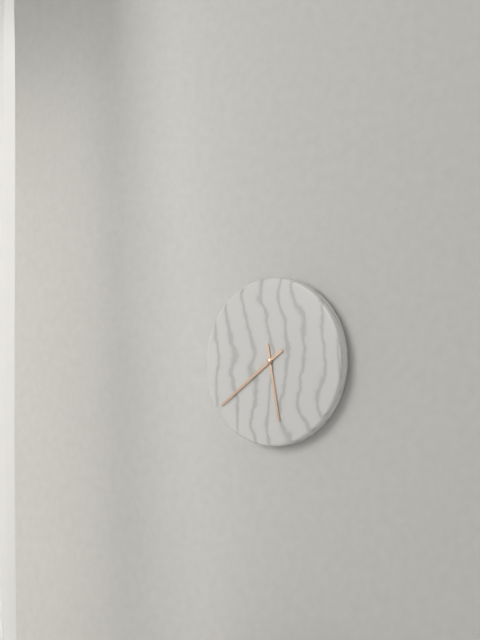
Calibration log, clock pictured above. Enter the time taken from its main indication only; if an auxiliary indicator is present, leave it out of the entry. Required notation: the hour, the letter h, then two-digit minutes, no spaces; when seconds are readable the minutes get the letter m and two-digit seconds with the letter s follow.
5h39
